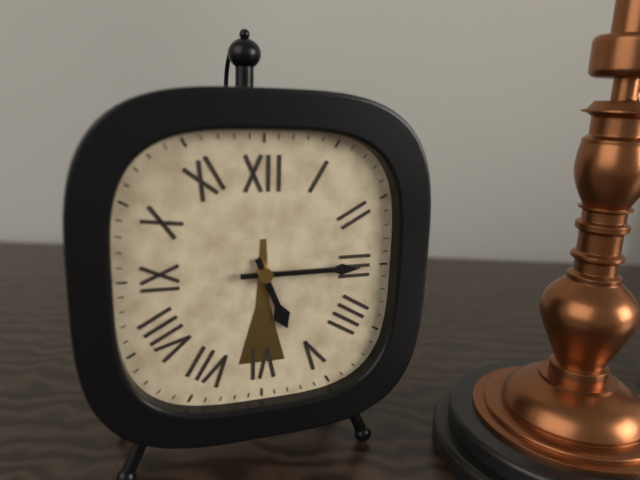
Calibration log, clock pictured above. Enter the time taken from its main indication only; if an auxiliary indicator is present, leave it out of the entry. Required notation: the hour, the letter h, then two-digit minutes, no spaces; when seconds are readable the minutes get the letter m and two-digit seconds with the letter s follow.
5h15
